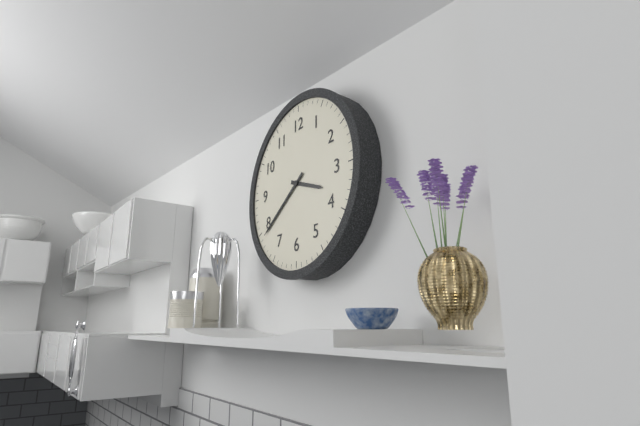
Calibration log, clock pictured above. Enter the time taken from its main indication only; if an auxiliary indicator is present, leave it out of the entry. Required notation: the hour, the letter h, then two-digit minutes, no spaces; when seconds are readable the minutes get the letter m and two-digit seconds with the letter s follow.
3h39
